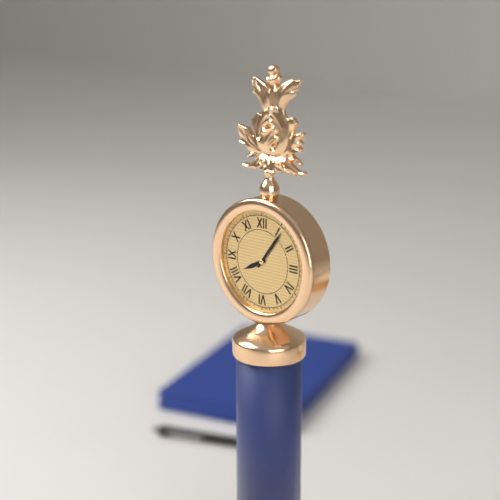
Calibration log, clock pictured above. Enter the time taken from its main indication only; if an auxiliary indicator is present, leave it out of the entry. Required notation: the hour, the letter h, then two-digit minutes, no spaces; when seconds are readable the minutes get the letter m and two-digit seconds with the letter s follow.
8h06
